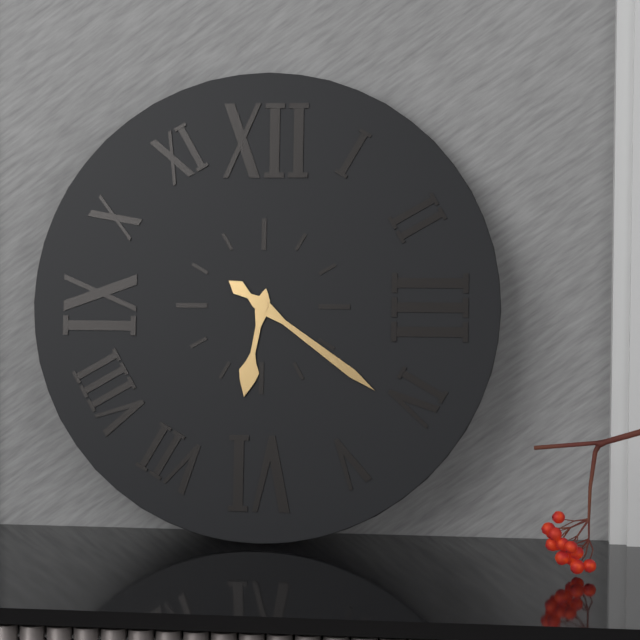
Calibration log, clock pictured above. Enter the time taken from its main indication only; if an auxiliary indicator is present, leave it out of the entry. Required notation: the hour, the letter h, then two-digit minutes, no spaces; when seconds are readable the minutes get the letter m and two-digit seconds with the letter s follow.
6h21
